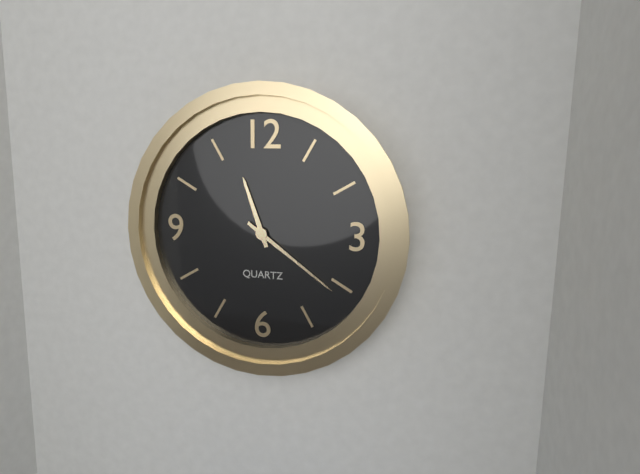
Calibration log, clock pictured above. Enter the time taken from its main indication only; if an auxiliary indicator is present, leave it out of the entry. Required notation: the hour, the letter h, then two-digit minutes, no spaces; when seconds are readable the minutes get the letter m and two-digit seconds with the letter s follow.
11h21
